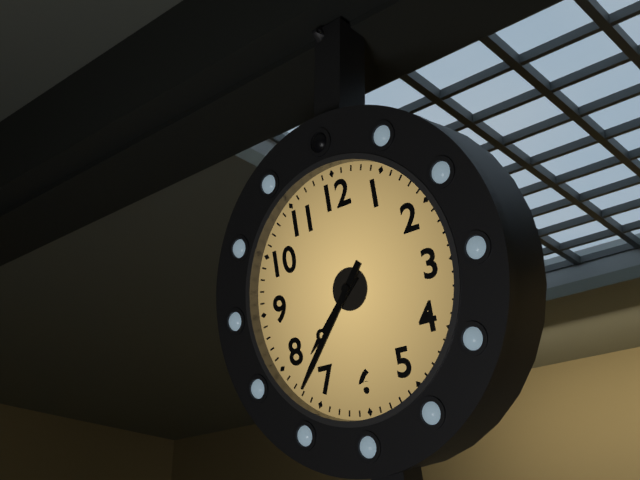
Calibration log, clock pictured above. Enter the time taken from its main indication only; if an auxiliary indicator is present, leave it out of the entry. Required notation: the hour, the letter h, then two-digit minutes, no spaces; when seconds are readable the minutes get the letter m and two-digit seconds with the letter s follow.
7h37
